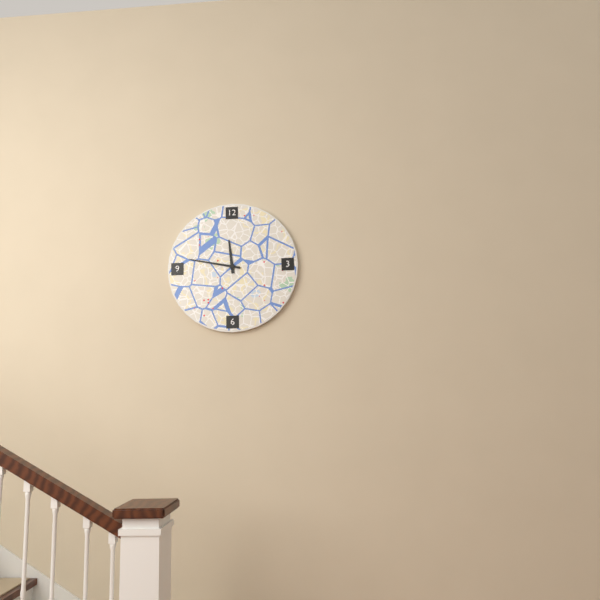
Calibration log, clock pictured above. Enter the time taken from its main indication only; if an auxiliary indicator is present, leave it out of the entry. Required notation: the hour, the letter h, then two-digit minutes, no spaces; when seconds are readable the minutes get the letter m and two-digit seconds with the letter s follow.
11h47
